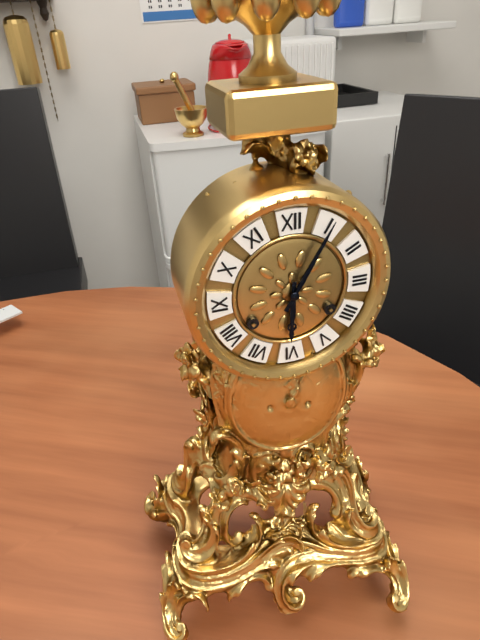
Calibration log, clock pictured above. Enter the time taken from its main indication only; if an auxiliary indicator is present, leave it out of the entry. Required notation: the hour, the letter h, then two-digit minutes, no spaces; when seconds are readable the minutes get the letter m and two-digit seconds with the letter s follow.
6h05
